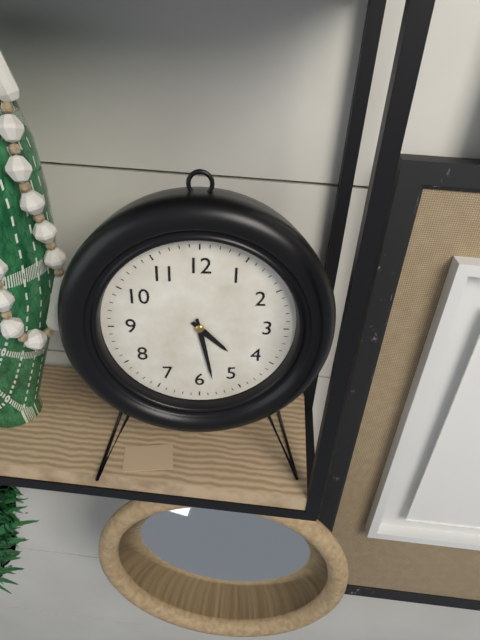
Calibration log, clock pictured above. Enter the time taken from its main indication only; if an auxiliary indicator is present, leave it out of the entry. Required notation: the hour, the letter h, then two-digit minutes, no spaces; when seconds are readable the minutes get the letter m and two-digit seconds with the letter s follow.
4h28
